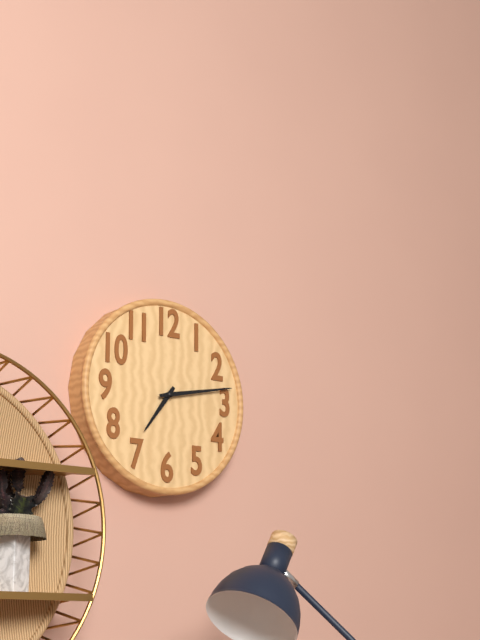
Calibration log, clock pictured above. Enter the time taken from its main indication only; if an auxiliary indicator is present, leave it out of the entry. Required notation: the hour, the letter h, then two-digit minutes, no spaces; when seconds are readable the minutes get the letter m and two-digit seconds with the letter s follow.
7h13
